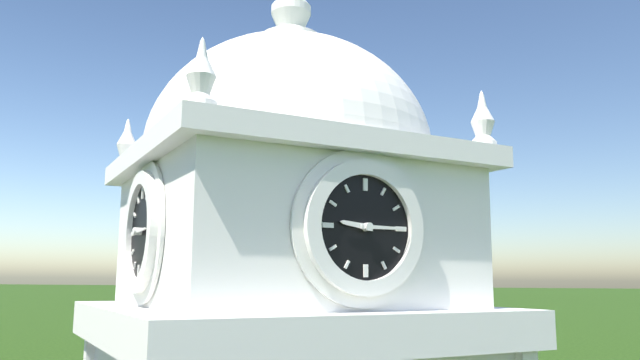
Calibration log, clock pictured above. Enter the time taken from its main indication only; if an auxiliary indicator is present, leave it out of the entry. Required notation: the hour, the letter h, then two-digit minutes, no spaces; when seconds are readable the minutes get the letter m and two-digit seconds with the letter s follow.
9h15
